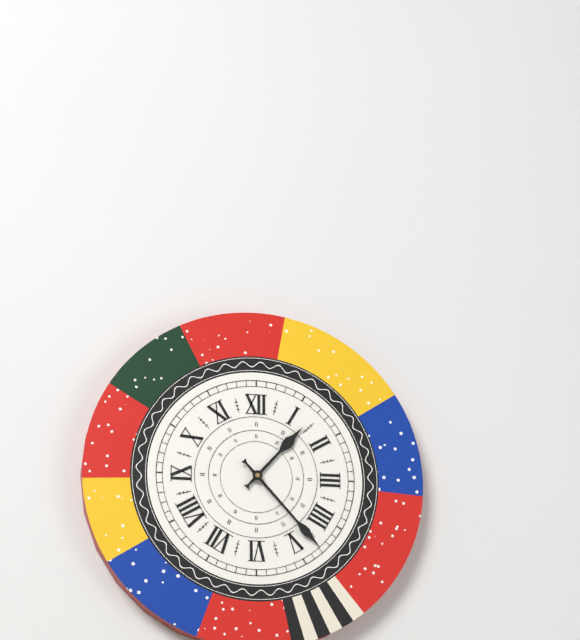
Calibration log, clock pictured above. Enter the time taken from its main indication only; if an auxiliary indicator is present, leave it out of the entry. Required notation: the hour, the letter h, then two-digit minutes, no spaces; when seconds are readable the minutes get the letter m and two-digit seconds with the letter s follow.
1h23
